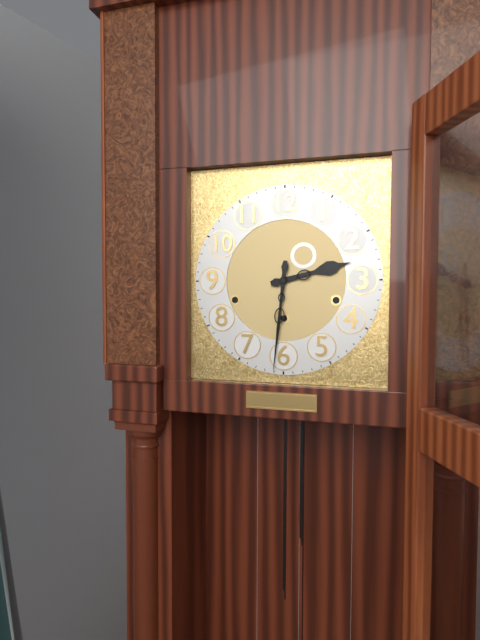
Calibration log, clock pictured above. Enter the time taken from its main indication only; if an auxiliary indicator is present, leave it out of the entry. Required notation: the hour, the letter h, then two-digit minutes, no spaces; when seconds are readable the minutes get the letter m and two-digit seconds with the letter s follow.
2h31
